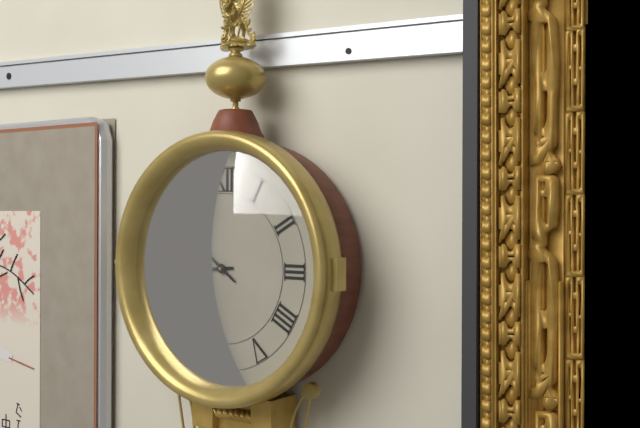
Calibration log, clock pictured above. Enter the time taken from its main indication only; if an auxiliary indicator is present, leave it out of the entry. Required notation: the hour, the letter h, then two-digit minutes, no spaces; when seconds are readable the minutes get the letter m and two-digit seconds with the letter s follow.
8h51
